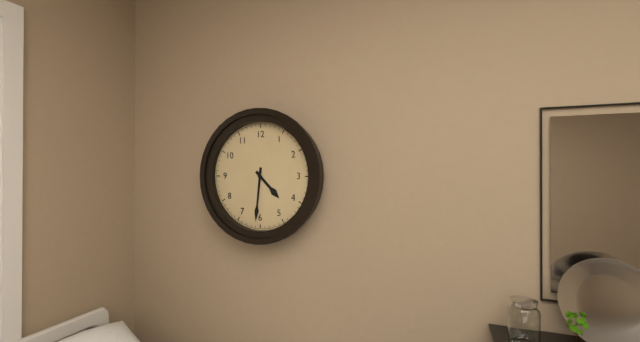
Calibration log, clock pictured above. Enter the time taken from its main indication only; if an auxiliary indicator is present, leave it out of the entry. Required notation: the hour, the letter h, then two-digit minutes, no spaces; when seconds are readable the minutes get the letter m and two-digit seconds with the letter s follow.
4h31
